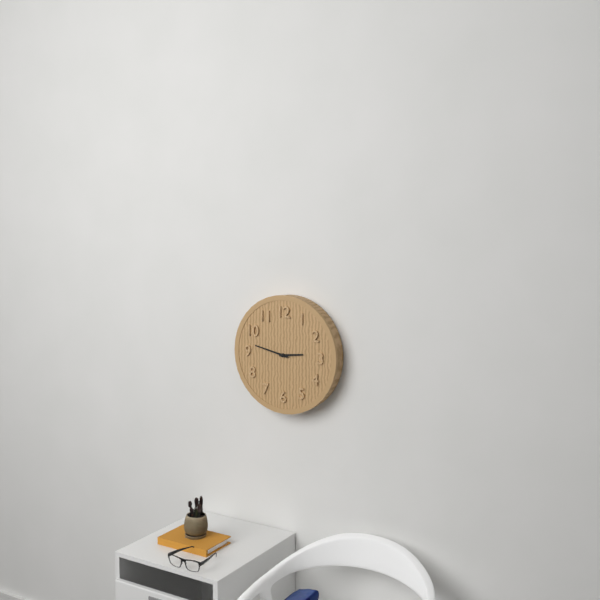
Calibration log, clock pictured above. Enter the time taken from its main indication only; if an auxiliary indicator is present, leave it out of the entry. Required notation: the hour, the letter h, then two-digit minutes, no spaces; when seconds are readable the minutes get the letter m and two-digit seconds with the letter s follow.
2h47
